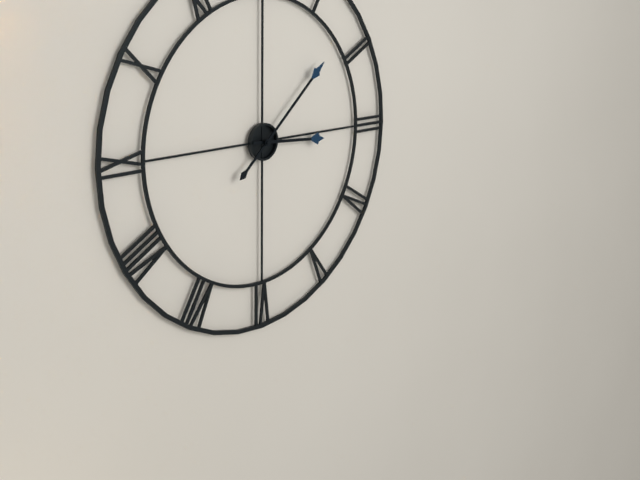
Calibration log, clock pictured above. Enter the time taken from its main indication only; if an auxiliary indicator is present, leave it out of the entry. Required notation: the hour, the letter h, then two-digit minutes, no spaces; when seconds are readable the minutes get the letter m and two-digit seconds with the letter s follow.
3h08
